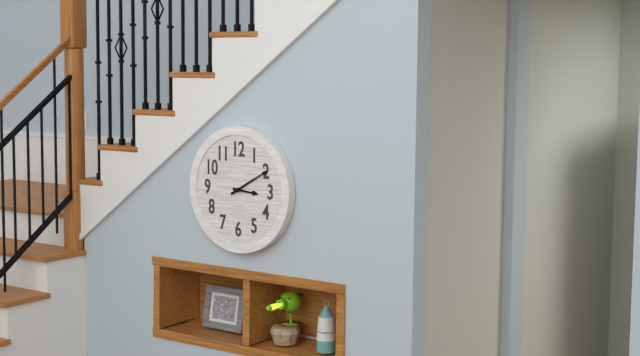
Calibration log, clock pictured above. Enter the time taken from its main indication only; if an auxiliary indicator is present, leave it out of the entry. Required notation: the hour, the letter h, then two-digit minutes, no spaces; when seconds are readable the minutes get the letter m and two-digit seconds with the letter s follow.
3h10
